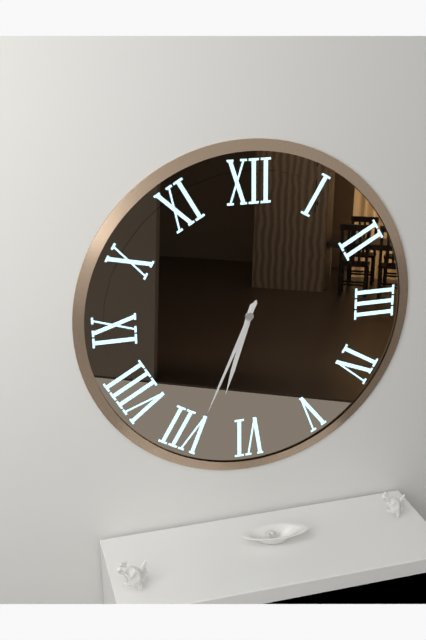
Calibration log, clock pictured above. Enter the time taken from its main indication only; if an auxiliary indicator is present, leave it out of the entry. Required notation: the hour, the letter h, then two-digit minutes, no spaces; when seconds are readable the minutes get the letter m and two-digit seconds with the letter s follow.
6h34
